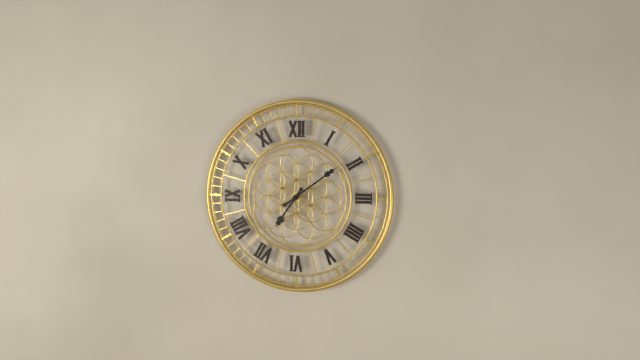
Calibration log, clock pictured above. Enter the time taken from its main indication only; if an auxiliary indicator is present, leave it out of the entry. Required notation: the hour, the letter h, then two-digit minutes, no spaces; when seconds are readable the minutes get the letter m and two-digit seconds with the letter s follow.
7h09
